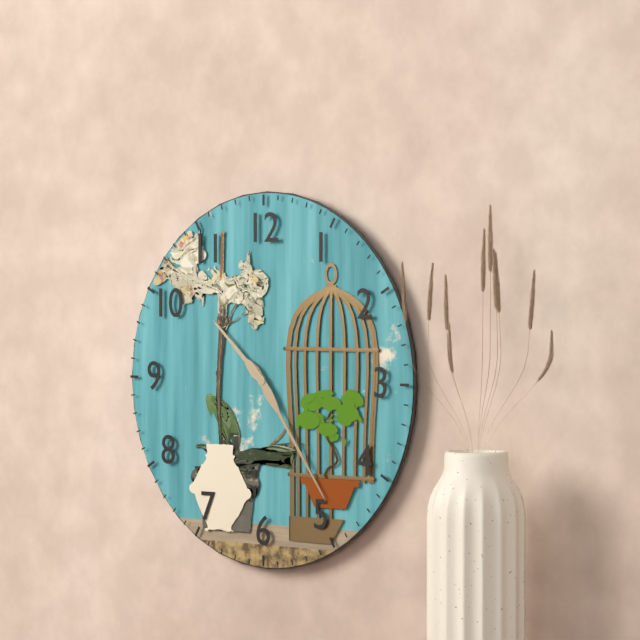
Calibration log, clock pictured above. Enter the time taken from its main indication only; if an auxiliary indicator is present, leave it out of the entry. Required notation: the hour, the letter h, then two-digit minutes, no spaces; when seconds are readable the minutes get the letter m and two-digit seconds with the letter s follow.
10h24
